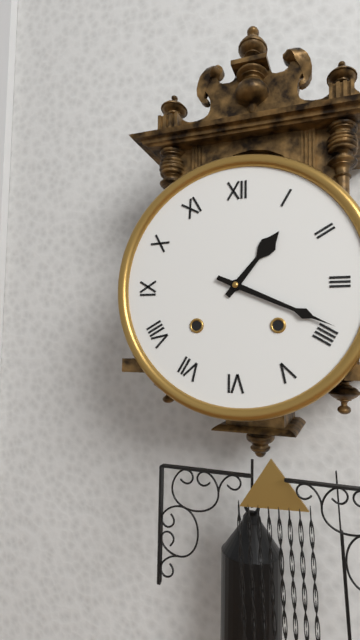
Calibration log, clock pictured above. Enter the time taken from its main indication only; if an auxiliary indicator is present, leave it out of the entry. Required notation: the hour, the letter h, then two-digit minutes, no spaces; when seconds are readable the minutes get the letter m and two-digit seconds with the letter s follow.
1h19
